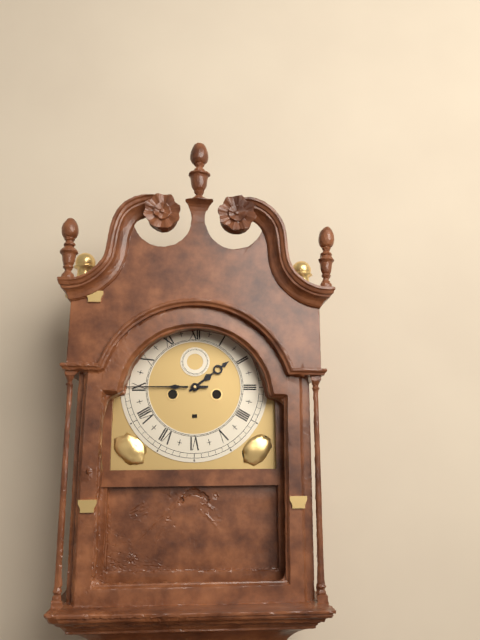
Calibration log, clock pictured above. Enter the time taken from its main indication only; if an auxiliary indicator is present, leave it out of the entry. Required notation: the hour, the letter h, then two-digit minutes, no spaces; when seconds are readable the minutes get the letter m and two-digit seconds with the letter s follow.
1h45
